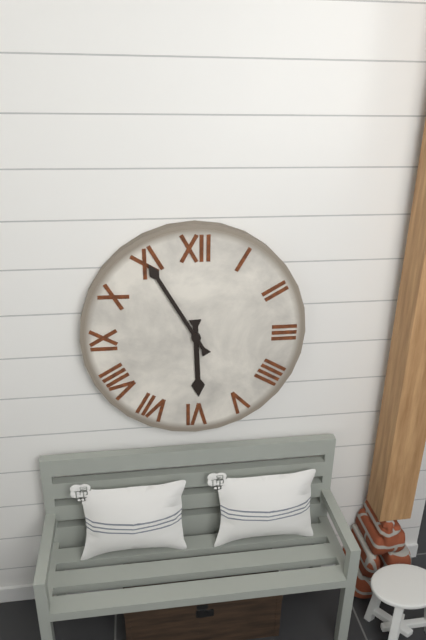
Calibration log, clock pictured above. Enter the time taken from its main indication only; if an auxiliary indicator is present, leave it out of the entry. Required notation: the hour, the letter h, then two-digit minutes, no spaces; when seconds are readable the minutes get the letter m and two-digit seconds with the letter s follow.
5h55
